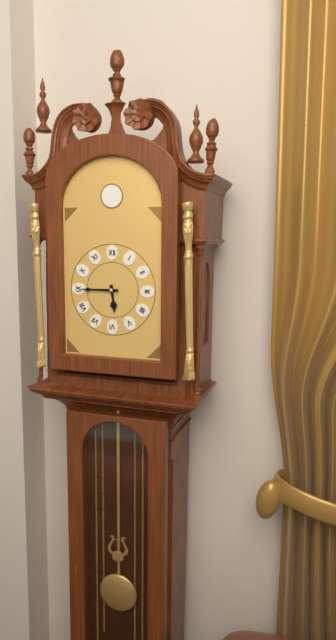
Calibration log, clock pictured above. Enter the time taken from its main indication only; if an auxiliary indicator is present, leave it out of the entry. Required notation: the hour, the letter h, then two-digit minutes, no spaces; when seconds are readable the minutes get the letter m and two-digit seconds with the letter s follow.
5h45
